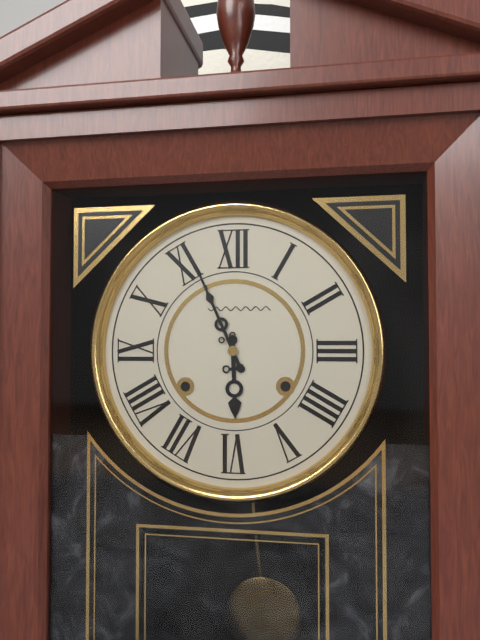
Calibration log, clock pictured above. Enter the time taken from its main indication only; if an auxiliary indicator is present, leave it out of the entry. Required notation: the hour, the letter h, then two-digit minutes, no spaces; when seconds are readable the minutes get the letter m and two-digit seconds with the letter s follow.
5h56
